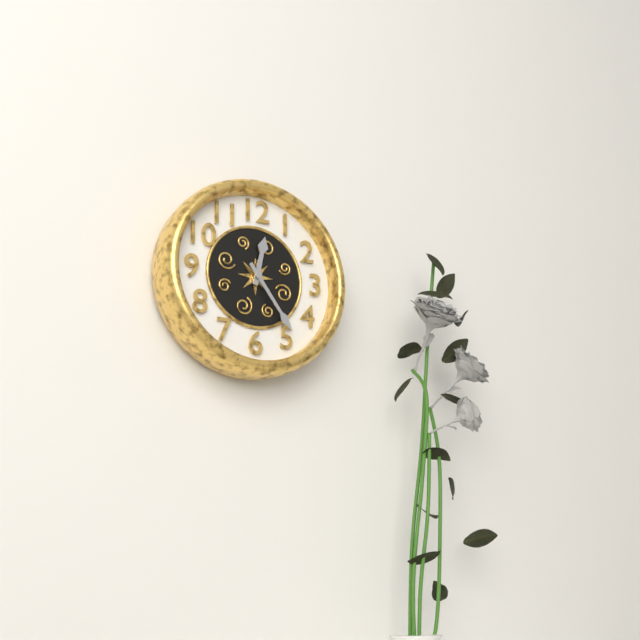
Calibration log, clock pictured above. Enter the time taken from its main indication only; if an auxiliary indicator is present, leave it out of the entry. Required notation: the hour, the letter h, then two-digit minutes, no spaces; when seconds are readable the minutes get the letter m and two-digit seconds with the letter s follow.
12h24
